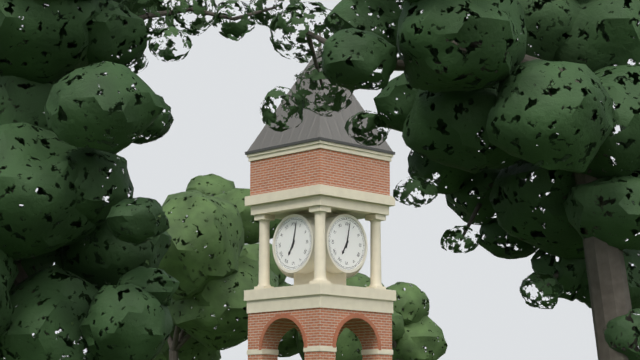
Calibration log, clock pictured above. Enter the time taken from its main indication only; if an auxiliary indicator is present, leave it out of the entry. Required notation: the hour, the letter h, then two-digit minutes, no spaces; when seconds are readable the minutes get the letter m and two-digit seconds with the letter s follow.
7h02
